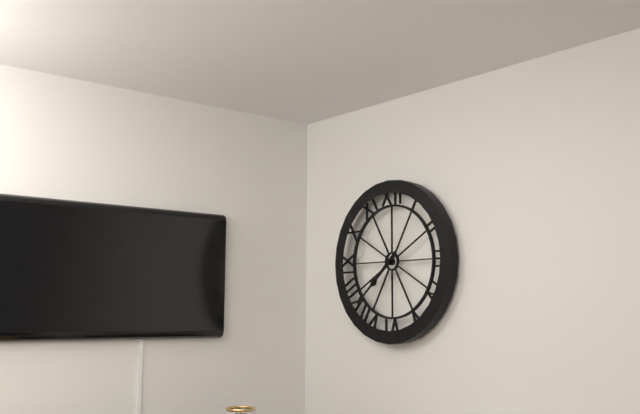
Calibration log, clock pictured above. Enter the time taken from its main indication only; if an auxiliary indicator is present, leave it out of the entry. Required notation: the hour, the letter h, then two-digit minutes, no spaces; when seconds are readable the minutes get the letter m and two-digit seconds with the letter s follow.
7h38
